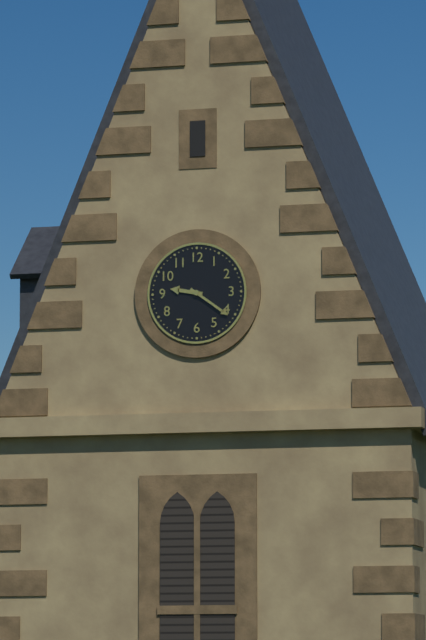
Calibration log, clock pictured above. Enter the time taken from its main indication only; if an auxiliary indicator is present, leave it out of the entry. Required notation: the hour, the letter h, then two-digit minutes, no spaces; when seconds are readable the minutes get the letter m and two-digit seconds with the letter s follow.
9h21
